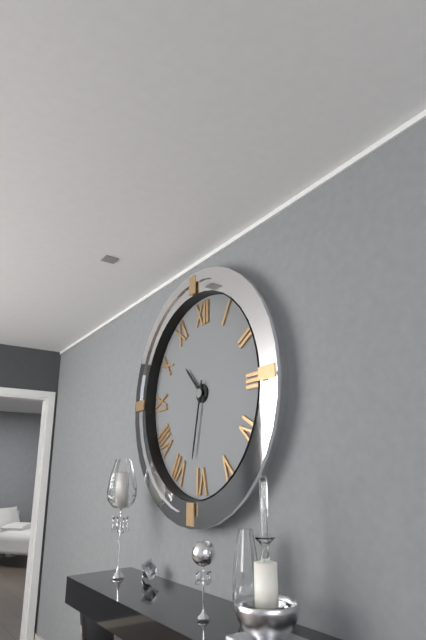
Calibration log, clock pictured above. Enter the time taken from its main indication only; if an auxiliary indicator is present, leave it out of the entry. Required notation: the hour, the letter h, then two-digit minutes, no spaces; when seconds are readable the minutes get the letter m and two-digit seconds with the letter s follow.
10h32
